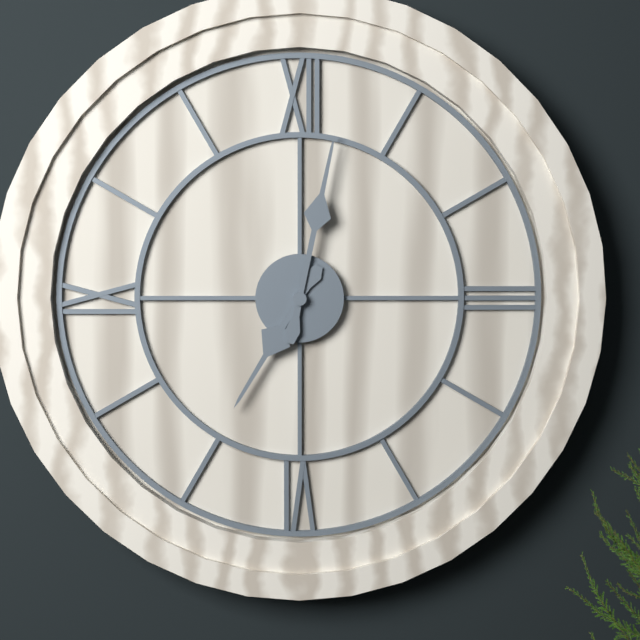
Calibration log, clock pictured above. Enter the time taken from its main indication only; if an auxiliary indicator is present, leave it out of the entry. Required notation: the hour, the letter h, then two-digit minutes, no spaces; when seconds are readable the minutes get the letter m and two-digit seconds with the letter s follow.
7h02
